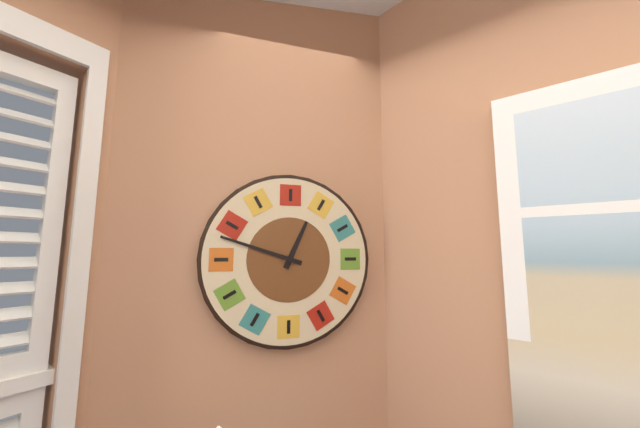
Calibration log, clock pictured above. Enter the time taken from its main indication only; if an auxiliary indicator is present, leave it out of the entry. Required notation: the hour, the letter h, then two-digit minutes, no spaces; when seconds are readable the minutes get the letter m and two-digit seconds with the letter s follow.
12h48
